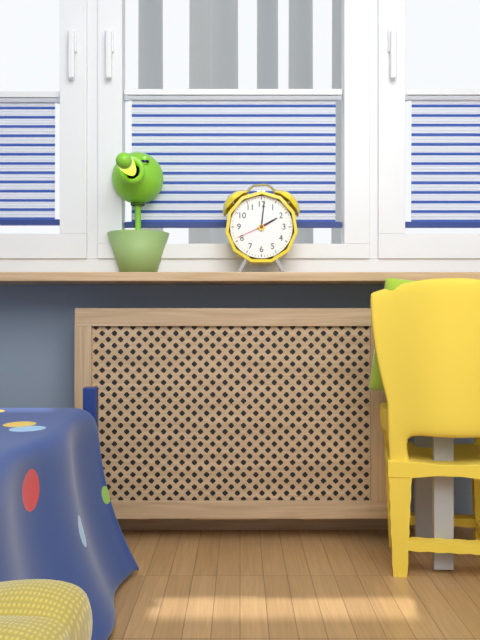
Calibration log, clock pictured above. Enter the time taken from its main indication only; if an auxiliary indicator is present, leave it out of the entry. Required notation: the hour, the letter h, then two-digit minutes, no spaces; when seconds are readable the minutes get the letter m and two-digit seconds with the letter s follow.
2h01
